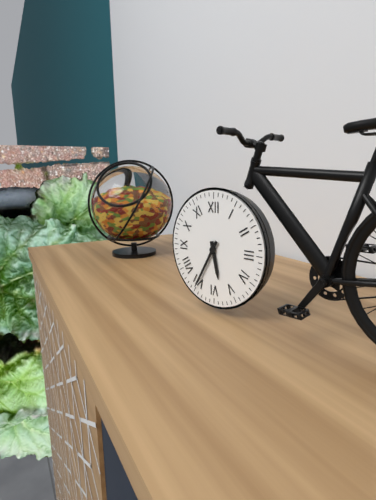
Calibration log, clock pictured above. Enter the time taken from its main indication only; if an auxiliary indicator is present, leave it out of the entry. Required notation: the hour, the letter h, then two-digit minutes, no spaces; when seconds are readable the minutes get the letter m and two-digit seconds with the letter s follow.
5h35
